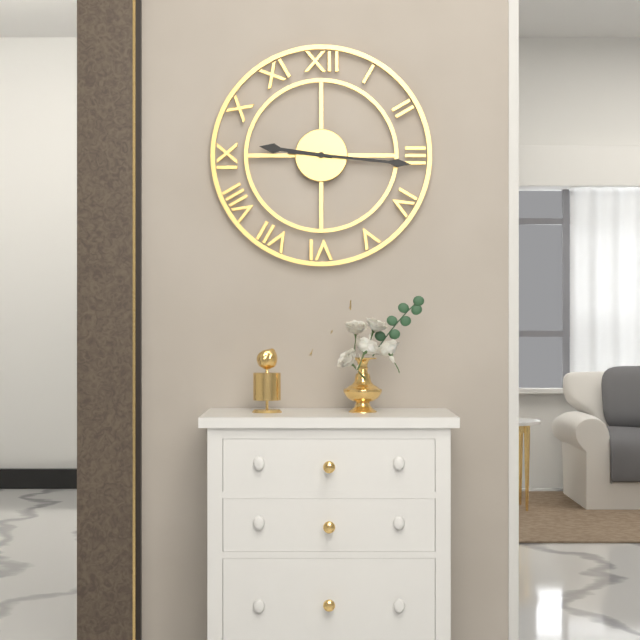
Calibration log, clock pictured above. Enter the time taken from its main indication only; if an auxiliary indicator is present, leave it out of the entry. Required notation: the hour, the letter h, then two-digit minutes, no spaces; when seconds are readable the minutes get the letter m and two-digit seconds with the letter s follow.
9h16
